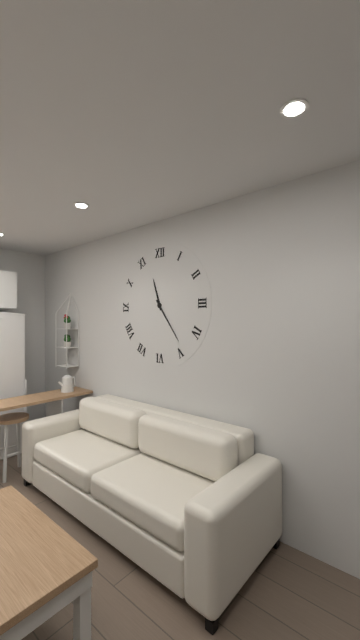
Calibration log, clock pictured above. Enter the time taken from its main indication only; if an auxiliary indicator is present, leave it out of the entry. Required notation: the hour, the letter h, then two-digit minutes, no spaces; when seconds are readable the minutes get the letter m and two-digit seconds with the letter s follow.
11h24
